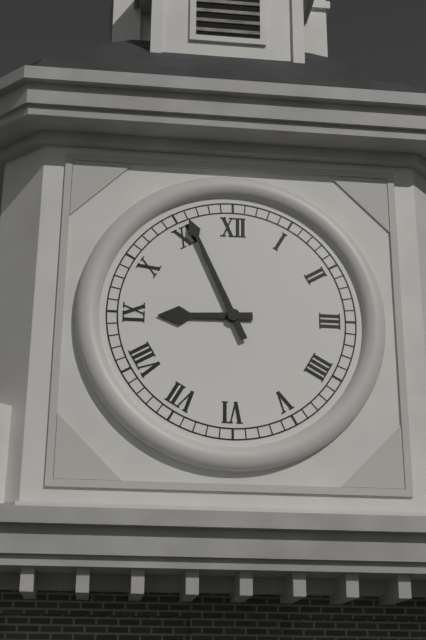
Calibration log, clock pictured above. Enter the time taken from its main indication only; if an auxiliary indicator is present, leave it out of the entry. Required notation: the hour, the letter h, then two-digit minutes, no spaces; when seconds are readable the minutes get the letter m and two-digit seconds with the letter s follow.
8h56
